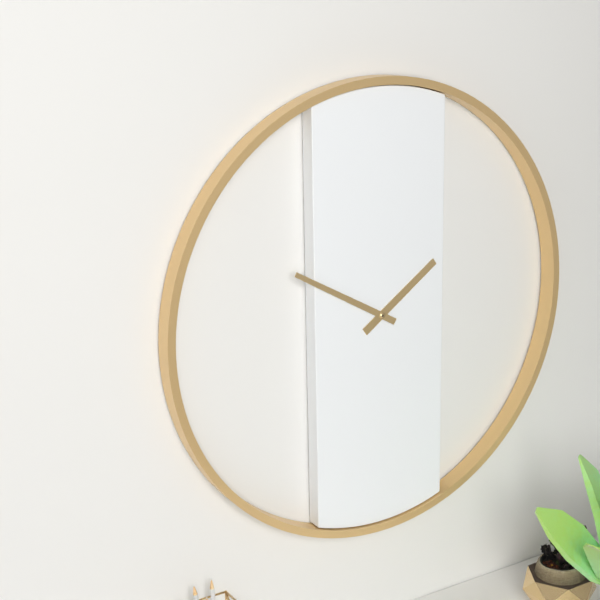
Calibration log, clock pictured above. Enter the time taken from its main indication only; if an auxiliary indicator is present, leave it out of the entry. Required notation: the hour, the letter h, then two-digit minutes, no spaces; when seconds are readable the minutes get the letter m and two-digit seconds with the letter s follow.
1h50
